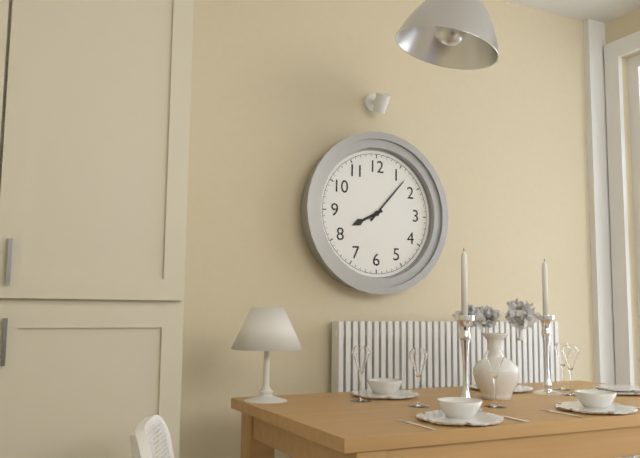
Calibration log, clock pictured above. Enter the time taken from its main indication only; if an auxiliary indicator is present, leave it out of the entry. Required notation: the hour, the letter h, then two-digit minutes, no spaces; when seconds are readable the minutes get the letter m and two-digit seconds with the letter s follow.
8h07
